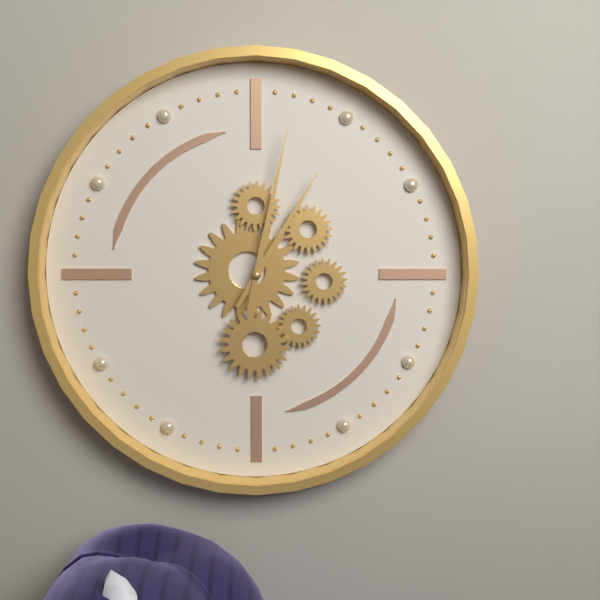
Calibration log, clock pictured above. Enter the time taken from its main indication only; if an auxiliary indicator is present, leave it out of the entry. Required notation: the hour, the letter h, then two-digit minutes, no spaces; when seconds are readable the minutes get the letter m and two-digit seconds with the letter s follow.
1h02
